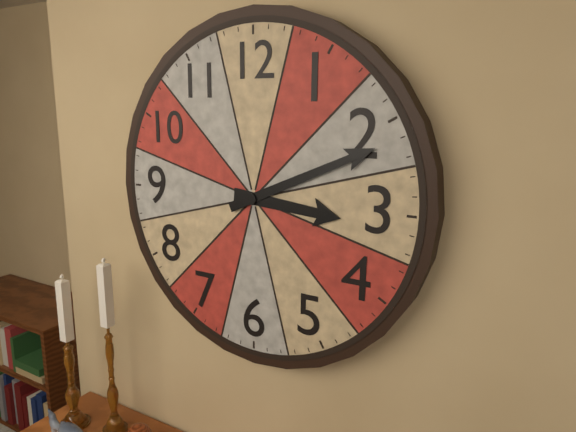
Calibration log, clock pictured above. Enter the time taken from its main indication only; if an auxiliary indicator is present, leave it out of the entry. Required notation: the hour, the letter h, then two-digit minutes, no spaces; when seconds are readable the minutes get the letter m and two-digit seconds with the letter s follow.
3h11
